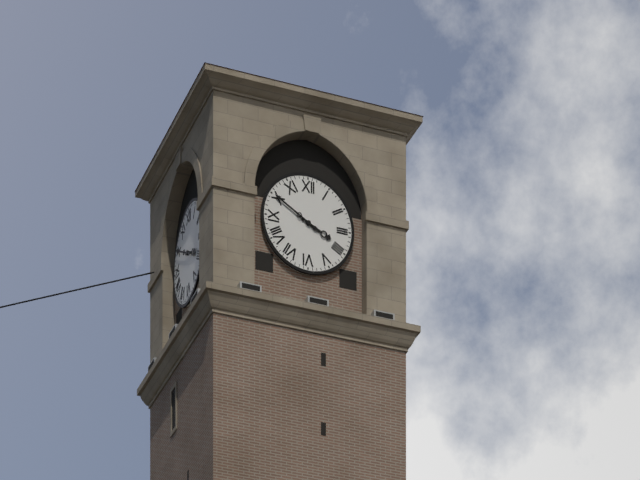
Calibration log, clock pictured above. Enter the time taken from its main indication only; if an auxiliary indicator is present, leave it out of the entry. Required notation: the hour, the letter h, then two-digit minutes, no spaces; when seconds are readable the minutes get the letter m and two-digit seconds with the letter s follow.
3h50
